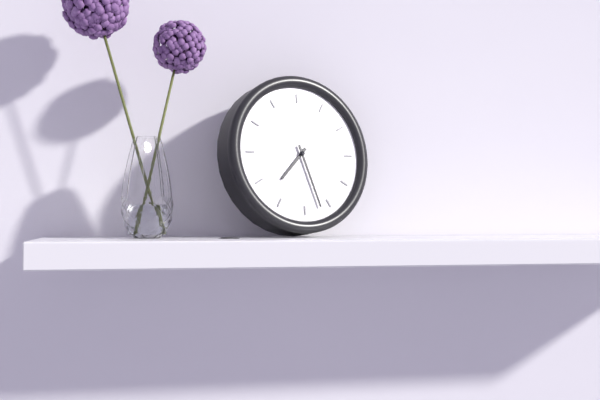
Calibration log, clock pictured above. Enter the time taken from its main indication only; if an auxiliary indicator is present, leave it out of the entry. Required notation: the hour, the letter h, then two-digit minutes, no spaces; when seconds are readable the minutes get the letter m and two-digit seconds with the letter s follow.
7h27
